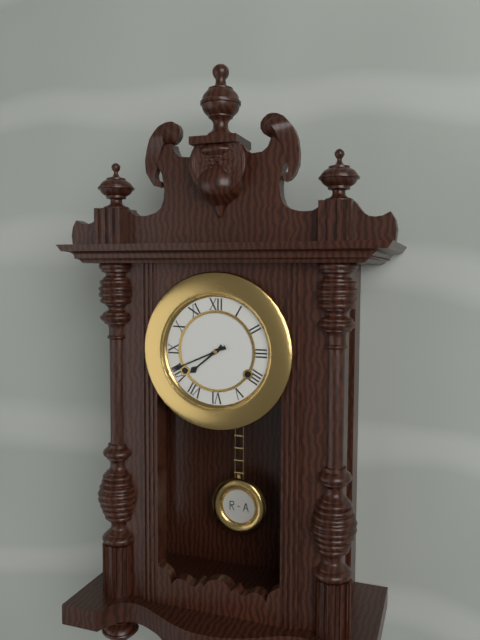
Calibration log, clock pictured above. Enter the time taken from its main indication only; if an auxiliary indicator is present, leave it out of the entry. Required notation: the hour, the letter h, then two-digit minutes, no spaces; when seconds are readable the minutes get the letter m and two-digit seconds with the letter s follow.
7h41
